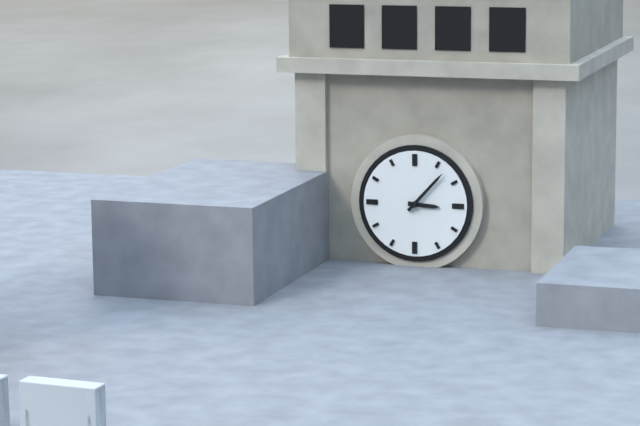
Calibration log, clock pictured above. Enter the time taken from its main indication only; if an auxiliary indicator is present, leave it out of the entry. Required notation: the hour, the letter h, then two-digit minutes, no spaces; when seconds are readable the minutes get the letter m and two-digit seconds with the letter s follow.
3h07
